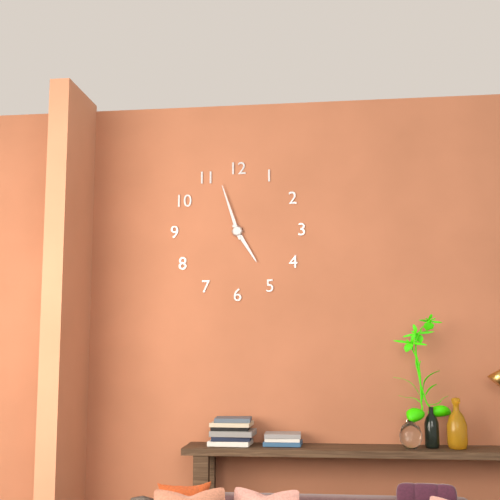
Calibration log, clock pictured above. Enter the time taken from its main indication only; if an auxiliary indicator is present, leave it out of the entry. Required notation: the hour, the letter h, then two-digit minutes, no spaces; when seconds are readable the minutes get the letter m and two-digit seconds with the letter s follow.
4h57
